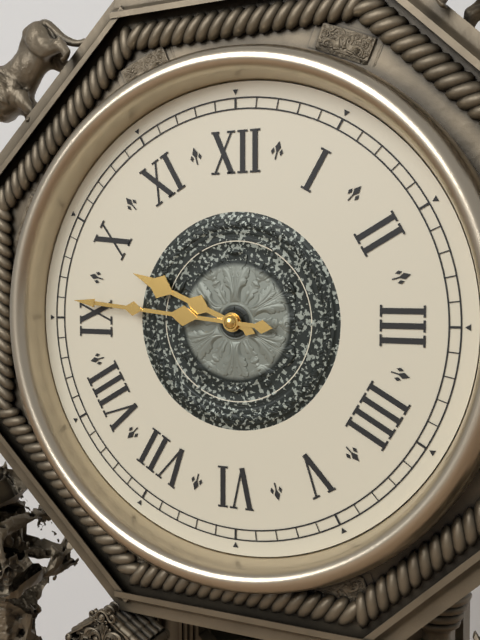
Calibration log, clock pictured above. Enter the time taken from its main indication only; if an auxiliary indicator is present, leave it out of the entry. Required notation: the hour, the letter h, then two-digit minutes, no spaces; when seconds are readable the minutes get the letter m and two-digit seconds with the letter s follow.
9h46
